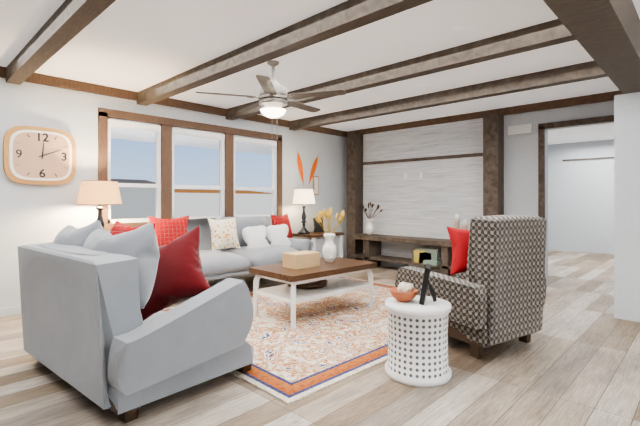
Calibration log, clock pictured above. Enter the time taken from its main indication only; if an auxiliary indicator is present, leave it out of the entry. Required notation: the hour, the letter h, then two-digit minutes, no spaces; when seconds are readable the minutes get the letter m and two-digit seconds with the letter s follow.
12h11
